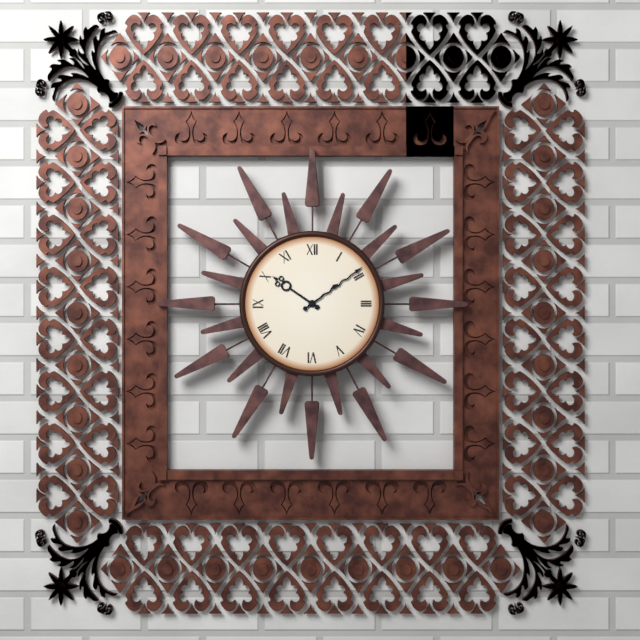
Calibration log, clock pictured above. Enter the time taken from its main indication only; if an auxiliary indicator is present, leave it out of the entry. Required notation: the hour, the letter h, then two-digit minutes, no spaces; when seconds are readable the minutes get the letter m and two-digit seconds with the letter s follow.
10h09
